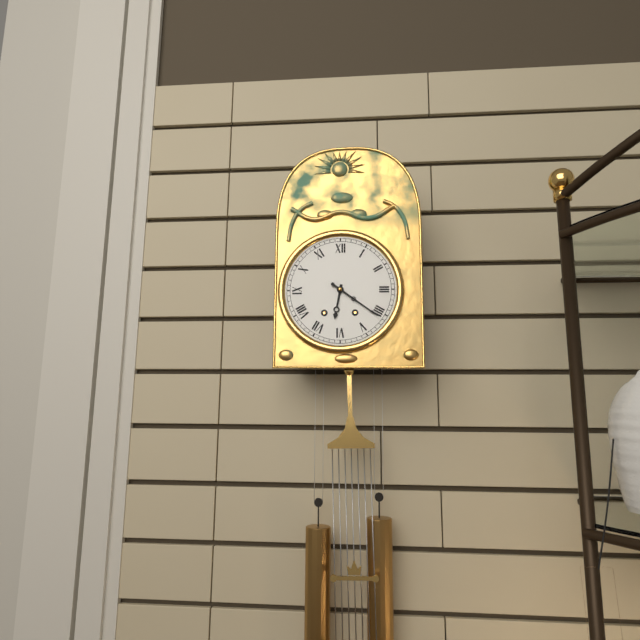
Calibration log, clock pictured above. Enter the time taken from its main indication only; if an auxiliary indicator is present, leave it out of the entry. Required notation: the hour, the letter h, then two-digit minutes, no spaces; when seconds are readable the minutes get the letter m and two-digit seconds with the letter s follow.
6h21
